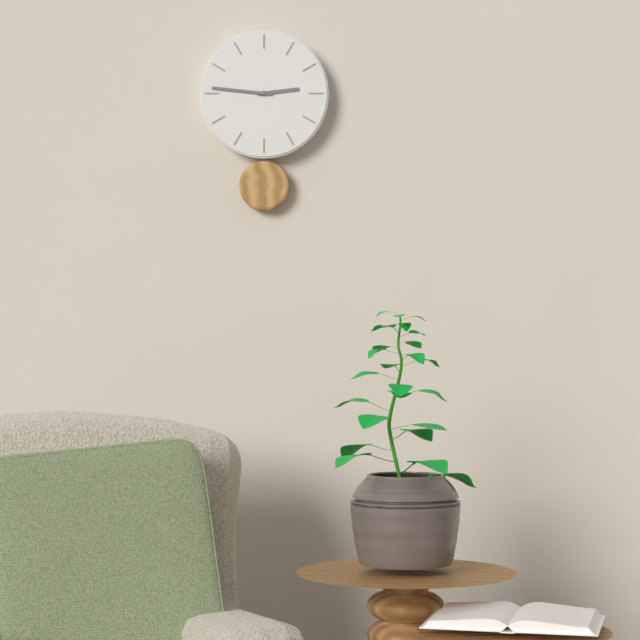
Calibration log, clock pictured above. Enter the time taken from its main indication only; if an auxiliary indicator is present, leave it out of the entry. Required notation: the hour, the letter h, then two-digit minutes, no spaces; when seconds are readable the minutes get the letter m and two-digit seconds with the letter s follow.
2h46
